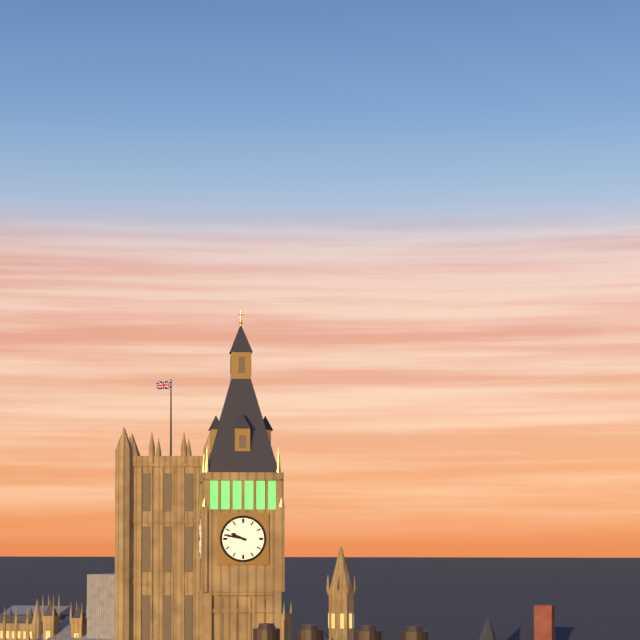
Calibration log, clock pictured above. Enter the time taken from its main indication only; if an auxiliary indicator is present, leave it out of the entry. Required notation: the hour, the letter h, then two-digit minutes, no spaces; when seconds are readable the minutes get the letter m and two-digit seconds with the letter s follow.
9h47
